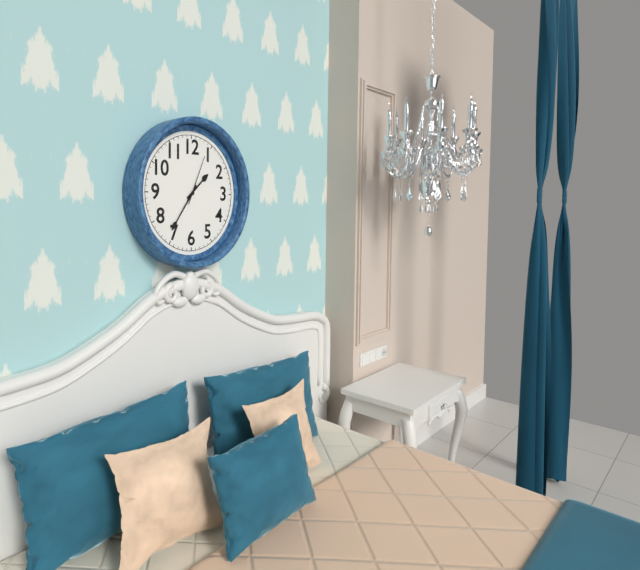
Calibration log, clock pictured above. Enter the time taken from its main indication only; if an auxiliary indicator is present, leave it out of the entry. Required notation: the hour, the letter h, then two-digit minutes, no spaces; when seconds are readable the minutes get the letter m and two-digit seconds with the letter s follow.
1h36
